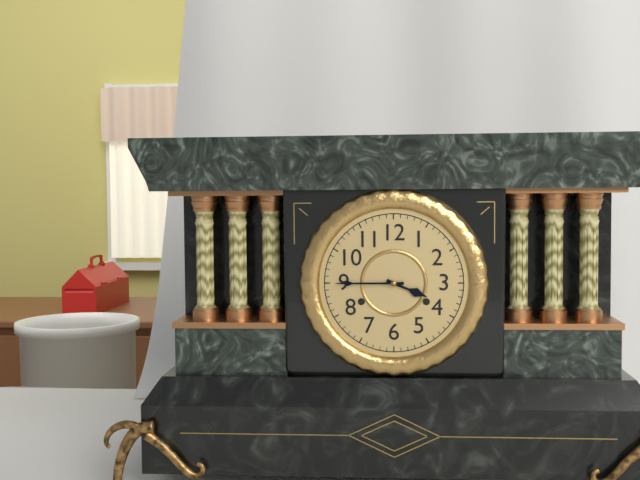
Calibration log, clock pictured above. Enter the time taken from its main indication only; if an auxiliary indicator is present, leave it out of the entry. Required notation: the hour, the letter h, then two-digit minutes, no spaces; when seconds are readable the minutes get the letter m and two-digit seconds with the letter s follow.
3h45
